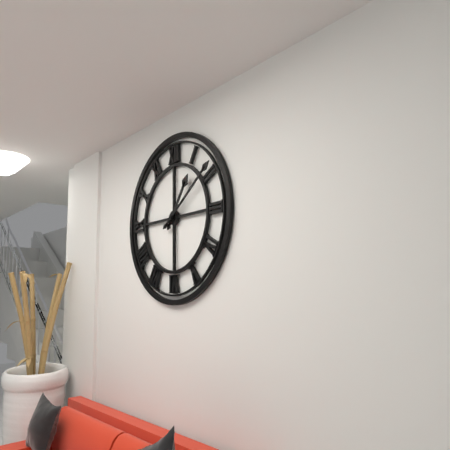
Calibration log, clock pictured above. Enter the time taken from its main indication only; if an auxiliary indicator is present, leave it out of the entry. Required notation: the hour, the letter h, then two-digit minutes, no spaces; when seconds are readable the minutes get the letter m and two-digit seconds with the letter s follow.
1h09
